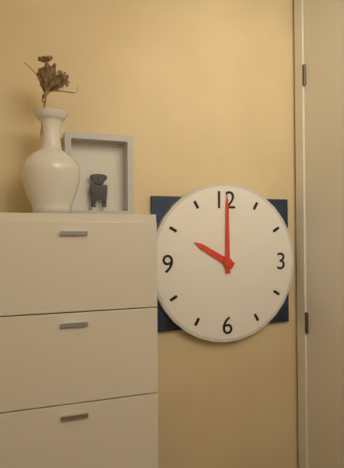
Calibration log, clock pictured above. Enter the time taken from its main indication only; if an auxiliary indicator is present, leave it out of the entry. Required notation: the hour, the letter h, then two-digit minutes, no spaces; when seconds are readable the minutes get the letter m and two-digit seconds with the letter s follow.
10h00
